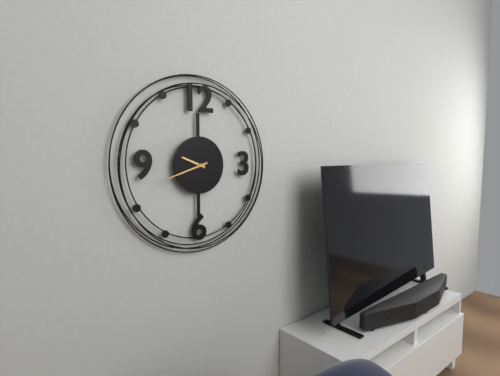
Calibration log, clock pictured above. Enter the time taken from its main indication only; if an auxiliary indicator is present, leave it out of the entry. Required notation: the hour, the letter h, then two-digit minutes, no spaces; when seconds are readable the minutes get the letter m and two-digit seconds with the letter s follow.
9h42
